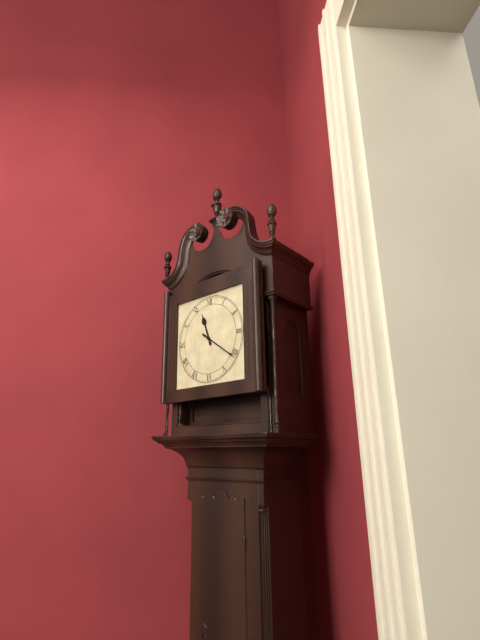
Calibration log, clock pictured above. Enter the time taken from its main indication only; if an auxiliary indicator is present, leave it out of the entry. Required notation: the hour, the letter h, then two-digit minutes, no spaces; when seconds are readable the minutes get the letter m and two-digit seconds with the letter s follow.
11h21
